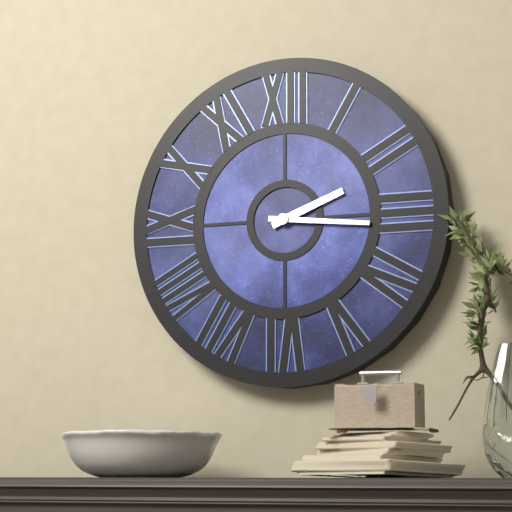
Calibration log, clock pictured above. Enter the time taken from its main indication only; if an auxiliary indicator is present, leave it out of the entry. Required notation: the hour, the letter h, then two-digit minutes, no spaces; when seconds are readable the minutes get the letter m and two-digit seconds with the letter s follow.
2h16
